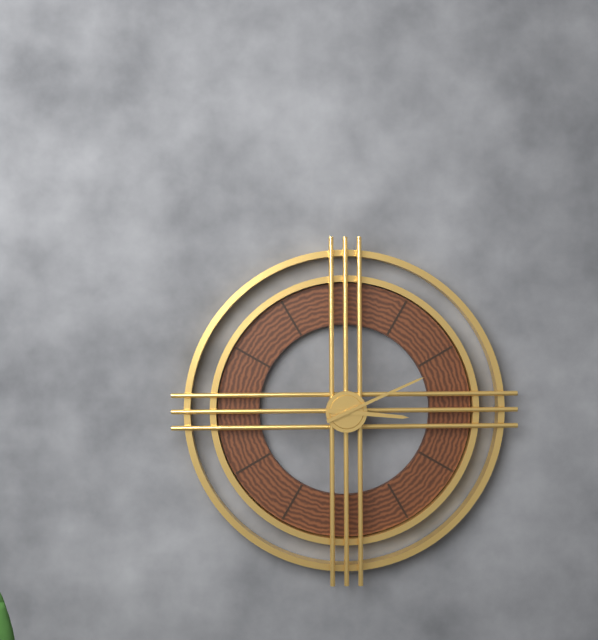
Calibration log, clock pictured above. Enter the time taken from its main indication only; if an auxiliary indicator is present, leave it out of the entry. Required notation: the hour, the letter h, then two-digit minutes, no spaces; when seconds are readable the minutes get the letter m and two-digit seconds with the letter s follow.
3h11
